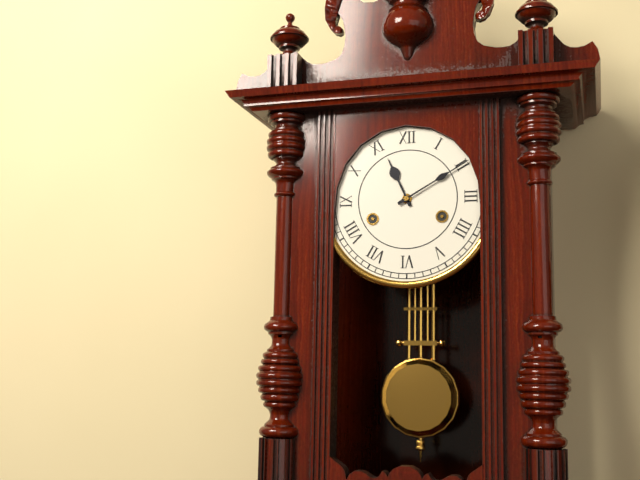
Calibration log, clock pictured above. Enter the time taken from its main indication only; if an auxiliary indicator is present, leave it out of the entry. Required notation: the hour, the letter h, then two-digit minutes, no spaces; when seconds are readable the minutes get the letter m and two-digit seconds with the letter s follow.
11h10
